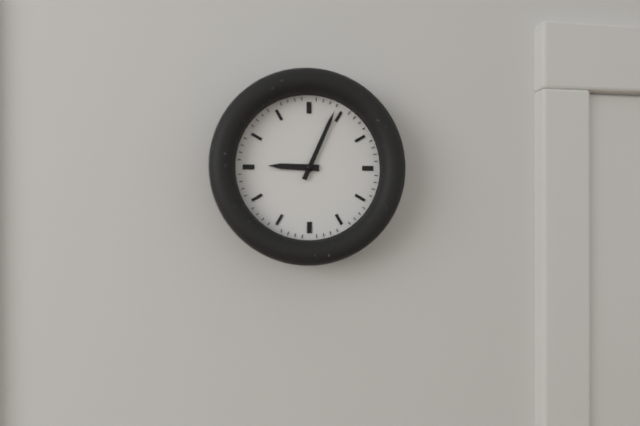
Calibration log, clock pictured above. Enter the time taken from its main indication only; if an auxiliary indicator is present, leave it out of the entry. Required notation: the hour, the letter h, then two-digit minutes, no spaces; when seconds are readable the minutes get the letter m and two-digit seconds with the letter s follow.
9h04
